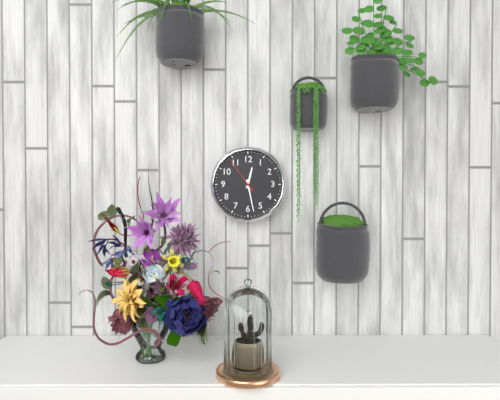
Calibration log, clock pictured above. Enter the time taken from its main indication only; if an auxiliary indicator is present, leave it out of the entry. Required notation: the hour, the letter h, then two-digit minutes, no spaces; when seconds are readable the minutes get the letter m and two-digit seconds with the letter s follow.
12h28
